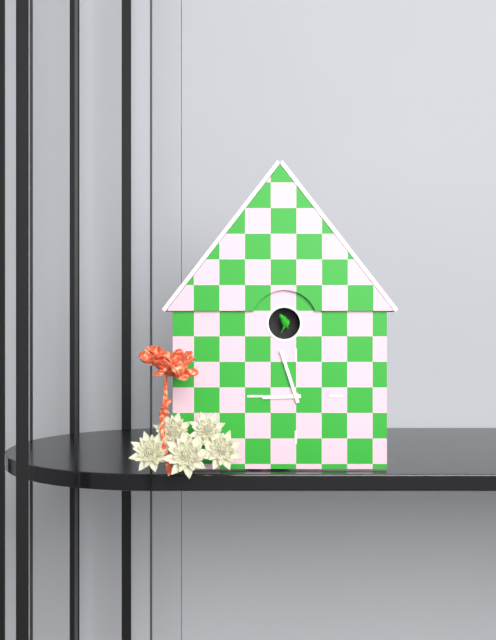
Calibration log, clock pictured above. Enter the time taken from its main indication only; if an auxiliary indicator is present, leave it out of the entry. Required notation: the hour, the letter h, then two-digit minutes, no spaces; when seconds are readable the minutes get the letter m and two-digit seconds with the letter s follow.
8h57
